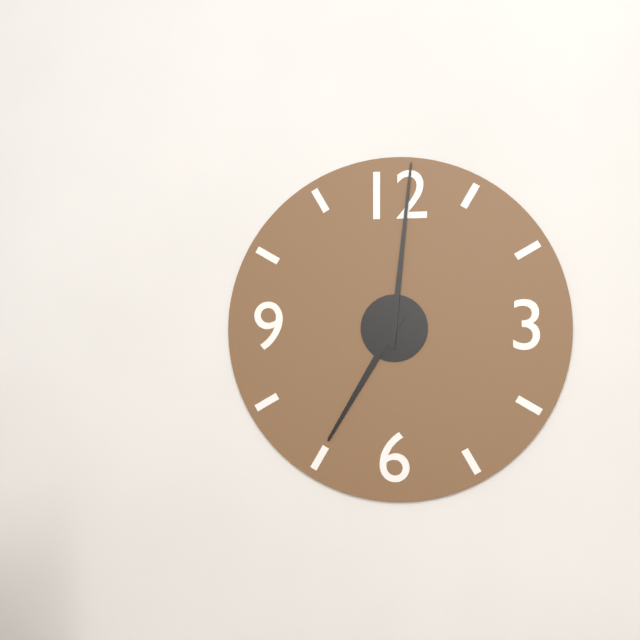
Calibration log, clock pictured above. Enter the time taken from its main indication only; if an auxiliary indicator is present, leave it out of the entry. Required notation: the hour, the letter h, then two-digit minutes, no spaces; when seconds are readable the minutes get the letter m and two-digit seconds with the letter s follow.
7h01
